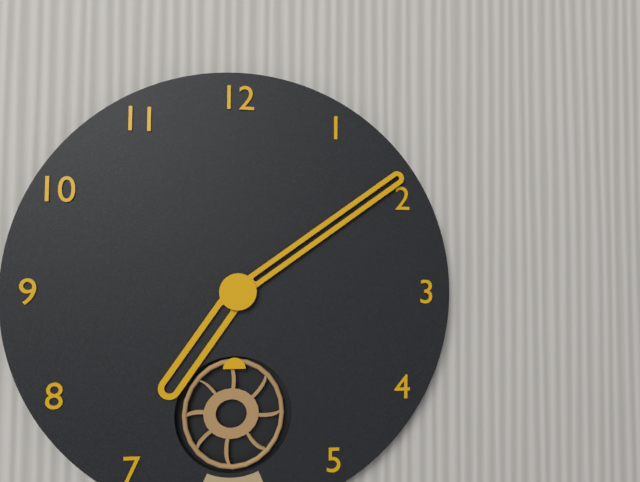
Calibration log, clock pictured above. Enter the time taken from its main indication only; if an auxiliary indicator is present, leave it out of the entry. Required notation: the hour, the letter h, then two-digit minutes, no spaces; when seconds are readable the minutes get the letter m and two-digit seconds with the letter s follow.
7h09
